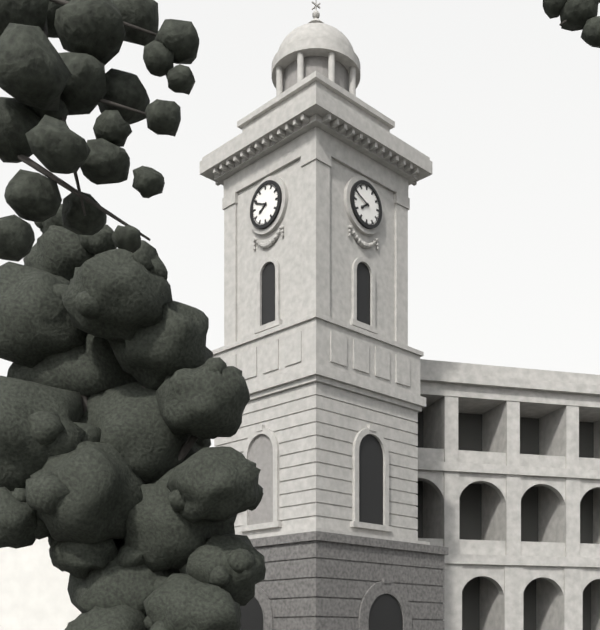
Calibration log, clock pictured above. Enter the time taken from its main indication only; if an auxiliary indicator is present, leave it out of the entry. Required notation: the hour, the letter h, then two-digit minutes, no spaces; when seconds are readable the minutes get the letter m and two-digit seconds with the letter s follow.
7h49
